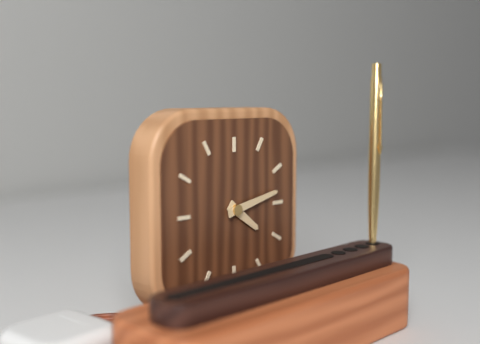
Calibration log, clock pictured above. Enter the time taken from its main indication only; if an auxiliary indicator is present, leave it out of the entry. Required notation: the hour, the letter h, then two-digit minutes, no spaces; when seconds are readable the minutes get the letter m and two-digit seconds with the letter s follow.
4h13
